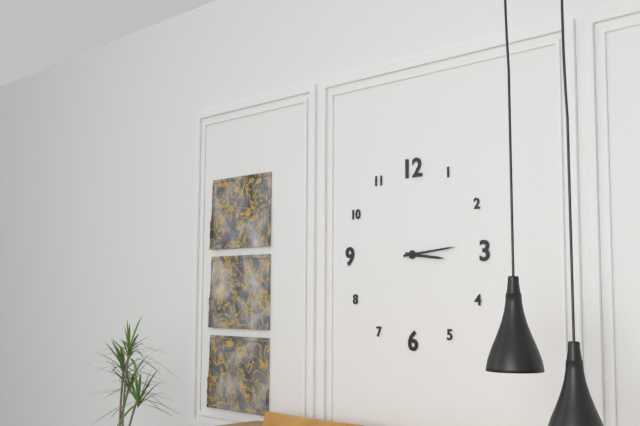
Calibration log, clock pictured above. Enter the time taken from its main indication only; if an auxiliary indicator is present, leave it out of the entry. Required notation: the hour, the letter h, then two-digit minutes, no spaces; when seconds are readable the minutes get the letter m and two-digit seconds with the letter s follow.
3h14
